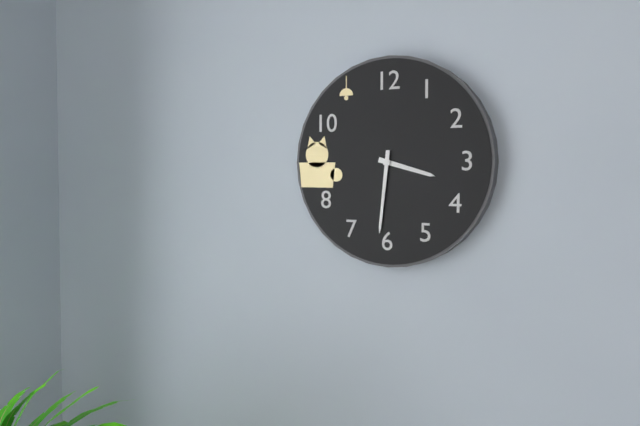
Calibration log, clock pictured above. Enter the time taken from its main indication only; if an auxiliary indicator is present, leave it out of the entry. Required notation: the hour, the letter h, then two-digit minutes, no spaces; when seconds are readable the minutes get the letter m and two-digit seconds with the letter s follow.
3h31
